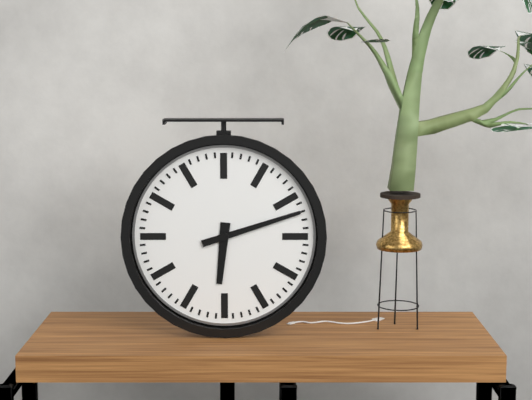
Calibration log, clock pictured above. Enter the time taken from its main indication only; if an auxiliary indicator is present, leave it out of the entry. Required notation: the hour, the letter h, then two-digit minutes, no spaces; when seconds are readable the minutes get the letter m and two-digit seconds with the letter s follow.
6h12
